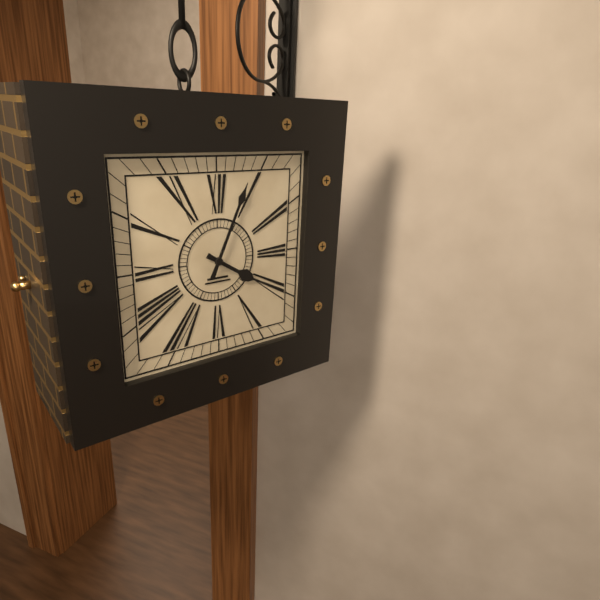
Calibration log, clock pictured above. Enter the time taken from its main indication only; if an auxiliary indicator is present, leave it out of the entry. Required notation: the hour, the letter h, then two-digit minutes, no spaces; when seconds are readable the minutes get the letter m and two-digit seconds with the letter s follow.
4h04
